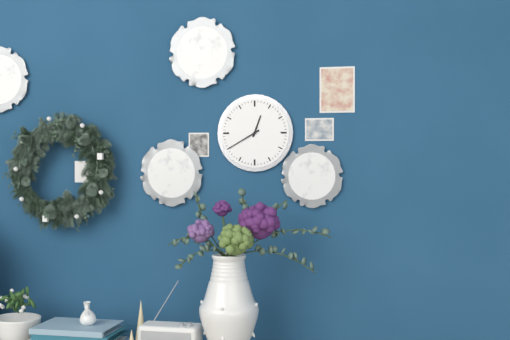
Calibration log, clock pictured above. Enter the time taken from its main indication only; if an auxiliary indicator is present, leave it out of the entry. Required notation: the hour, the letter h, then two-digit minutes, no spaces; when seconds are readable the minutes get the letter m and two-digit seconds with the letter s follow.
12h40
